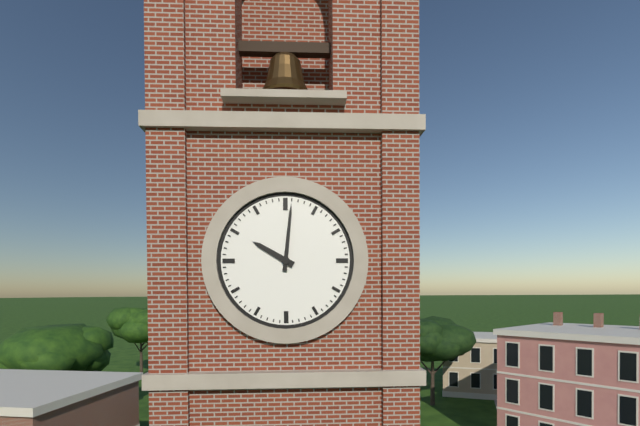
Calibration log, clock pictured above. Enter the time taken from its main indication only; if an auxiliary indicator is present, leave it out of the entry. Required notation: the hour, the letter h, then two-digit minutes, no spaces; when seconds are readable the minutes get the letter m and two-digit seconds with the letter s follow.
10h01
